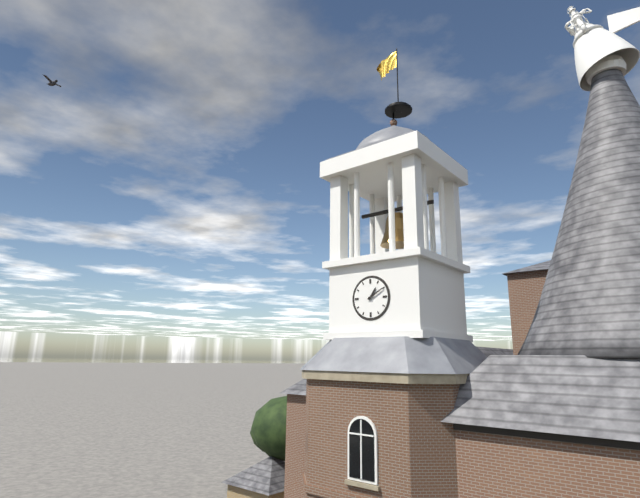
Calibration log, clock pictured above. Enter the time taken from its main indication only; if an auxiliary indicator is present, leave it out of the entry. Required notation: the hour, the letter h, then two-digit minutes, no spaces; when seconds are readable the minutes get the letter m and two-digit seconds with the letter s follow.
1h10
